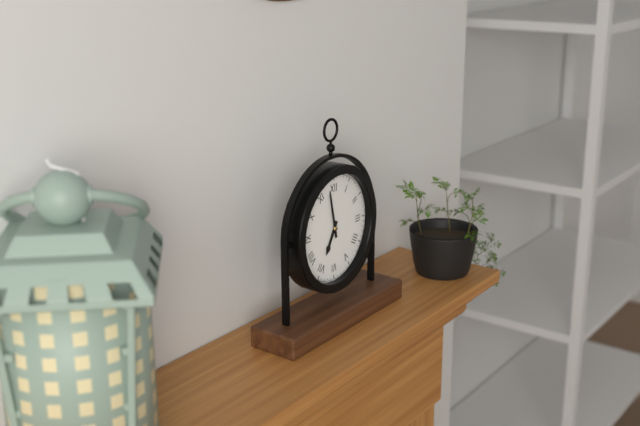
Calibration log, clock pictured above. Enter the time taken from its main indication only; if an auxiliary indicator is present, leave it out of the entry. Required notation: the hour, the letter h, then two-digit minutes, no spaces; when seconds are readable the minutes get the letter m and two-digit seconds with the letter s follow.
6h58
